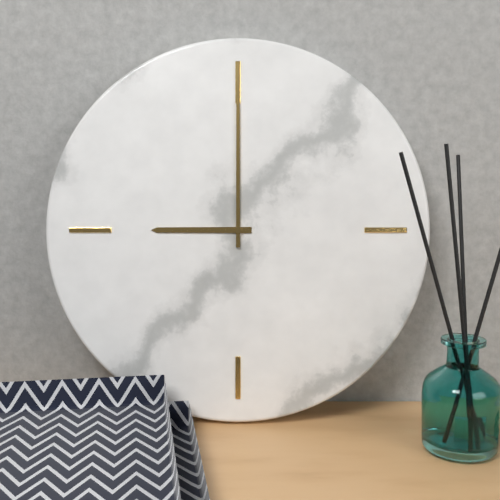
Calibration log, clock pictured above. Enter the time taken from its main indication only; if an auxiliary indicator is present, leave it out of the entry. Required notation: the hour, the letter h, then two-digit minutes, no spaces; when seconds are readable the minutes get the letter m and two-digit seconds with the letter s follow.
9h00
